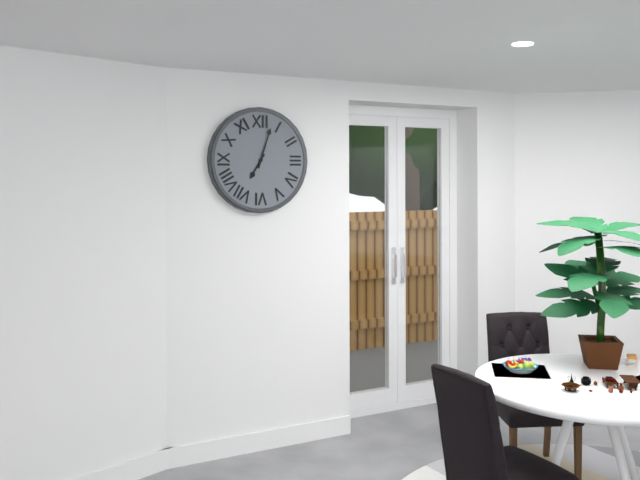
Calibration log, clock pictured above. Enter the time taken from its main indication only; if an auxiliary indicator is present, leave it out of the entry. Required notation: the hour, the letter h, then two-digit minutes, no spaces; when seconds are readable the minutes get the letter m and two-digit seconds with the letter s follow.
7h03
